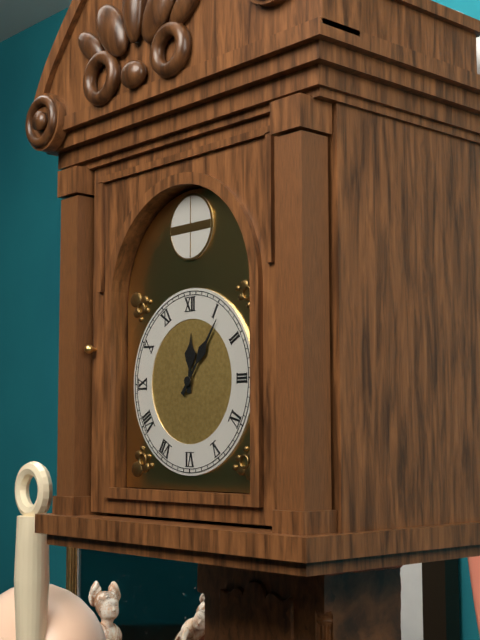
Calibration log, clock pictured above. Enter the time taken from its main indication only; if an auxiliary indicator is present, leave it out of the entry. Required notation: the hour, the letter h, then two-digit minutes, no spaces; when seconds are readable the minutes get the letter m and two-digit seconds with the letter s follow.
12h06
